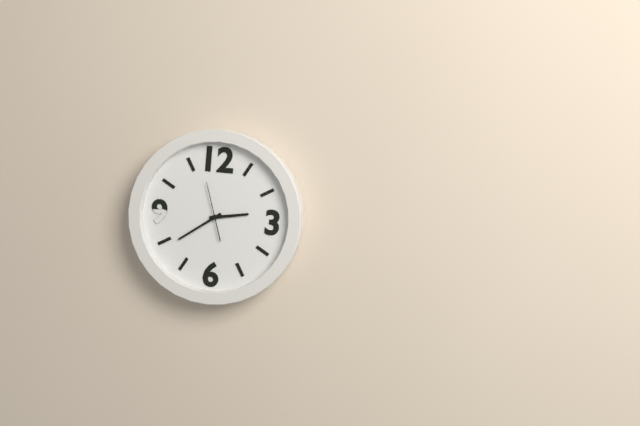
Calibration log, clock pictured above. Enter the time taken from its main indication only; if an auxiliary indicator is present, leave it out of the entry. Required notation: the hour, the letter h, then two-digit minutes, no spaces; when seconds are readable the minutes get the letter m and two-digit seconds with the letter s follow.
2h39
